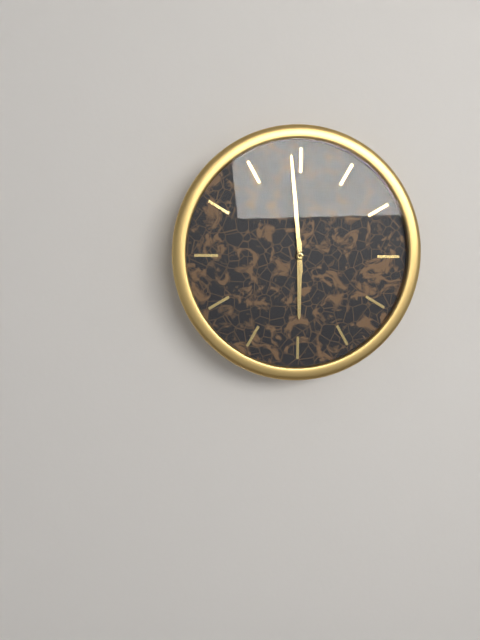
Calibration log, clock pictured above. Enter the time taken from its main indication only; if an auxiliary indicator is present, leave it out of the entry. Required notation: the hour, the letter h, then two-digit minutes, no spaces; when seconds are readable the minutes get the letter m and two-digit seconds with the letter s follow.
5h59
